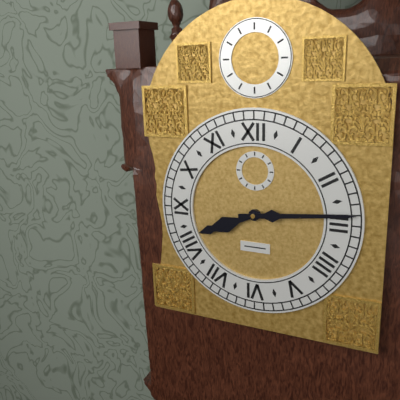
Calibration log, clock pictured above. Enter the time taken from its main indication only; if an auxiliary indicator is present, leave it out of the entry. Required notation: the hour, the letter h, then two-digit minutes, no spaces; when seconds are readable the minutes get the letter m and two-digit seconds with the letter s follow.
8h14
